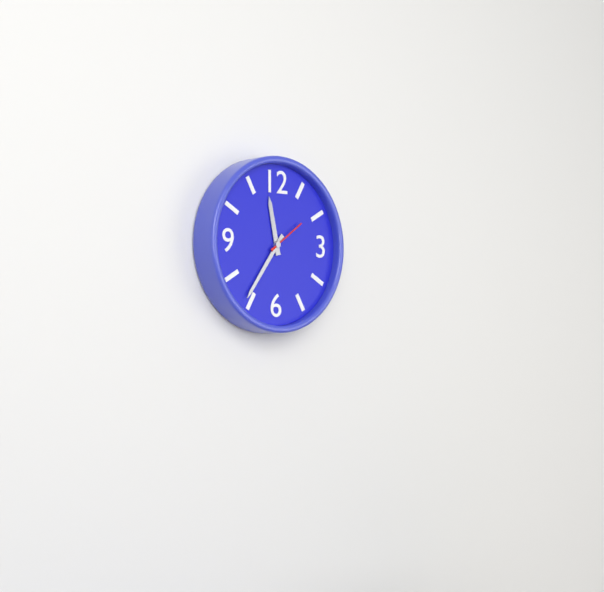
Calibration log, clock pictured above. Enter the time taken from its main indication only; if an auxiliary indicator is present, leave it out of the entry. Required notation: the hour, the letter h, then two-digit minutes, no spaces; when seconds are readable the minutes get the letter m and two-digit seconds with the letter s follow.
11h36
